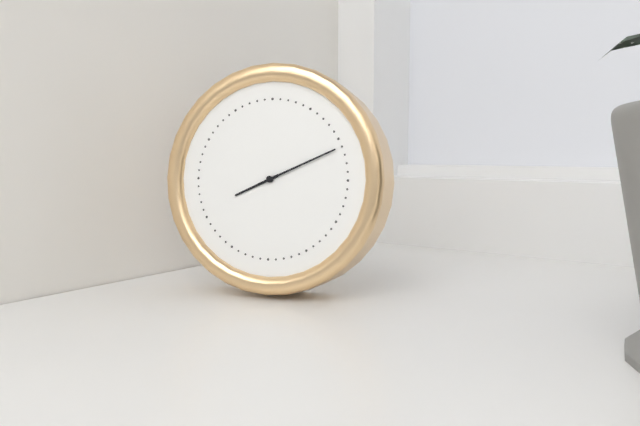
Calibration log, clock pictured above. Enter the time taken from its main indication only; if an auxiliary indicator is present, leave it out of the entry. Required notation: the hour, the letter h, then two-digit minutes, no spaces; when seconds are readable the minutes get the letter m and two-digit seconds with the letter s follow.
8h11
